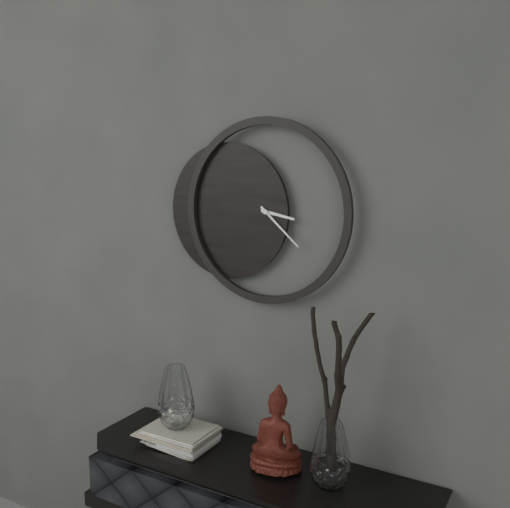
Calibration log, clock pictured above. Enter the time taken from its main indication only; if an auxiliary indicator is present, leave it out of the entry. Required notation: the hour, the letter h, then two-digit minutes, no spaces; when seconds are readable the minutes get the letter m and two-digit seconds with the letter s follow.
3h22
